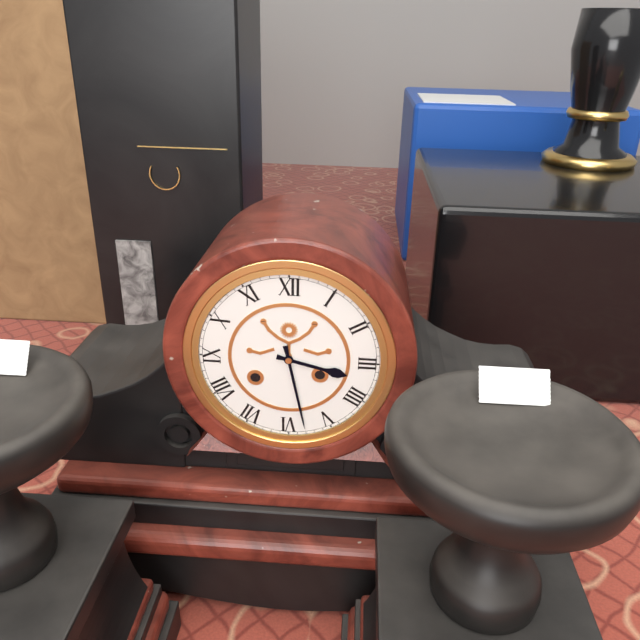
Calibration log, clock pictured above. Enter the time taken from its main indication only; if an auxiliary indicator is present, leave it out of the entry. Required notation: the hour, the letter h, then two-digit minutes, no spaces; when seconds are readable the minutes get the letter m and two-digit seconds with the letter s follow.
3h28
